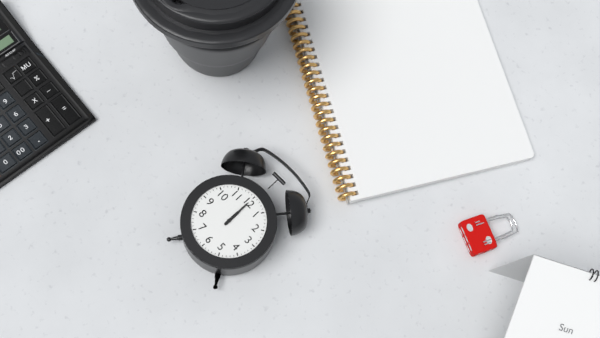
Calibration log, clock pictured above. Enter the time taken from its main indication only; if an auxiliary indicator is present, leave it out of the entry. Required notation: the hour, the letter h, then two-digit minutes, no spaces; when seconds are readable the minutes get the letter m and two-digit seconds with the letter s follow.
12h00
